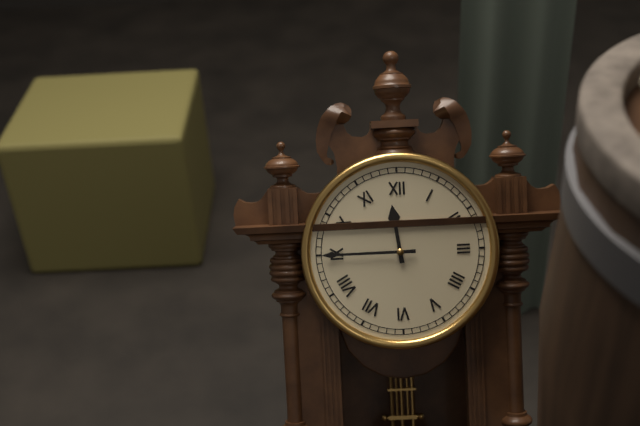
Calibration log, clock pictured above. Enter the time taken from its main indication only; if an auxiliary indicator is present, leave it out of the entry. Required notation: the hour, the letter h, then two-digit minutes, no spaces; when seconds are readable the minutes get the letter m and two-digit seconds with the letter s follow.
11h45
